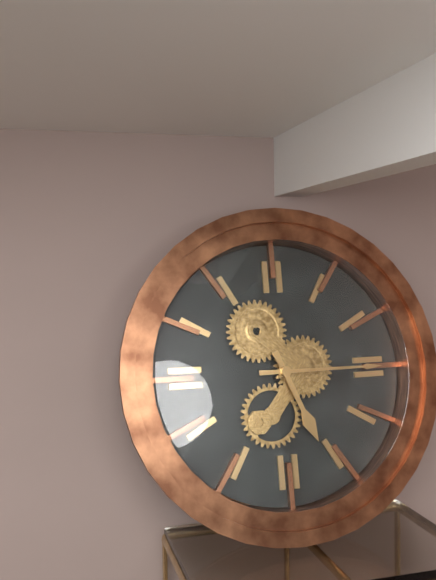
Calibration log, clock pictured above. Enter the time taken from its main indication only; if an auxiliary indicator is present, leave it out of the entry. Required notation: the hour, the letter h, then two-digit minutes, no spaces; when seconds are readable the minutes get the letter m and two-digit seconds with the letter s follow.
5h15
